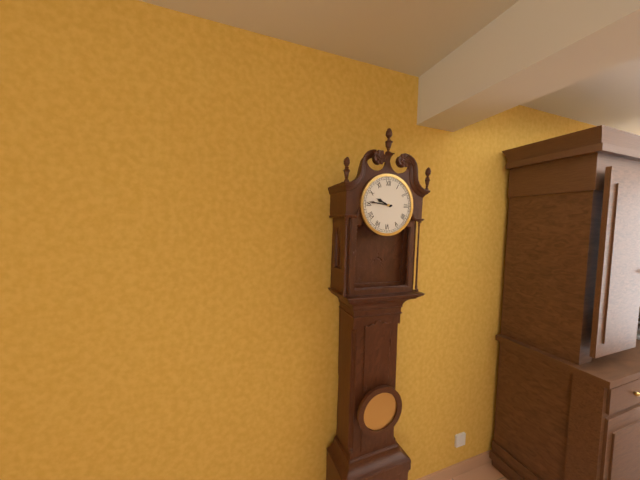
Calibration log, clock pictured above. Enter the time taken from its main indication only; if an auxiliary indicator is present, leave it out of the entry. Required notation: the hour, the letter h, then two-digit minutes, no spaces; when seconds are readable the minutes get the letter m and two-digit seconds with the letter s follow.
9h46
